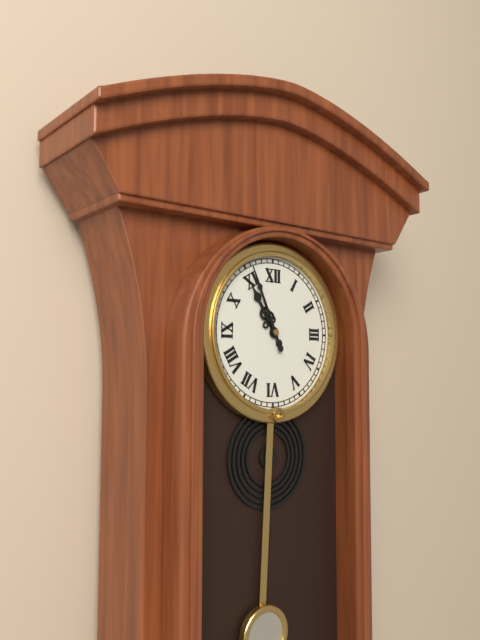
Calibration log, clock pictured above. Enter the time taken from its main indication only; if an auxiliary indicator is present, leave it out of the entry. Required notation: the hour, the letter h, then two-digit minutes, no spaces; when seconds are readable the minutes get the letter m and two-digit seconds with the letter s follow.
10h56
